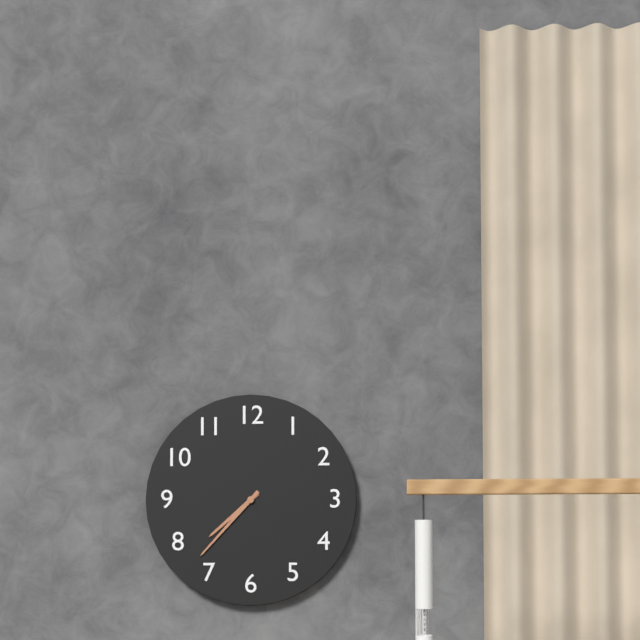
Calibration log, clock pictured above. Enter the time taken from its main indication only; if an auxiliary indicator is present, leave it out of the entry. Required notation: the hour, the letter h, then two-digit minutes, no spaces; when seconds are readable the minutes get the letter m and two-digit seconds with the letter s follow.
7h37
